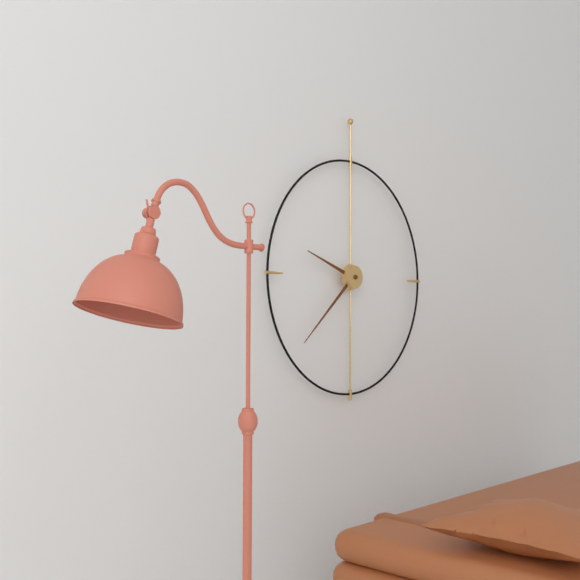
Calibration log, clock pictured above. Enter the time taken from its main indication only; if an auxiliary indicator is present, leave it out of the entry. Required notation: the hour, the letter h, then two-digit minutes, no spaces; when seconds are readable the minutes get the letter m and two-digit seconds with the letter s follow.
9h38
